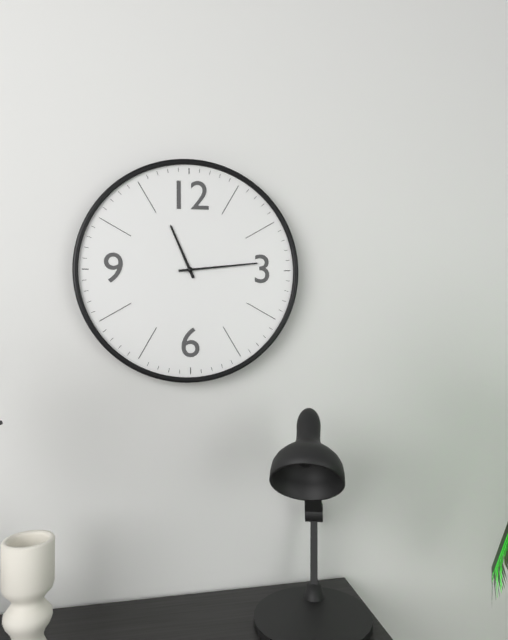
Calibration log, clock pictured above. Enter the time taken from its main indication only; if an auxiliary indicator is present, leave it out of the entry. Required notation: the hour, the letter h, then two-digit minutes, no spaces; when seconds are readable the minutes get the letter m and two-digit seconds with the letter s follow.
11h14
